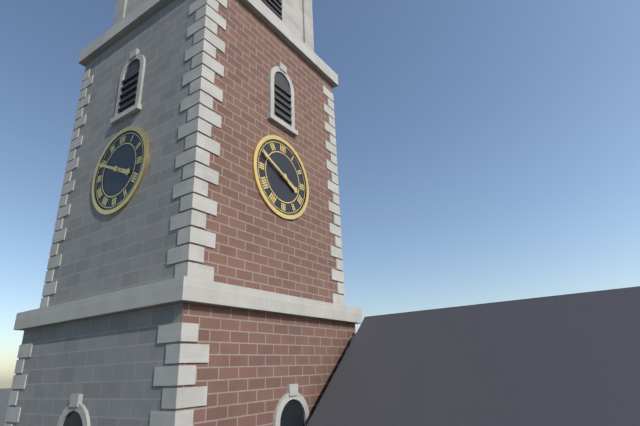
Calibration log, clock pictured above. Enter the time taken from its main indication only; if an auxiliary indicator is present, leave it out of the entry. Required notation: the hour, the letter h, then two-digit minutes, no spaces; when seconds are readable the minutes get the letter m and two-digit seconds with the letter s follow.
3h49
